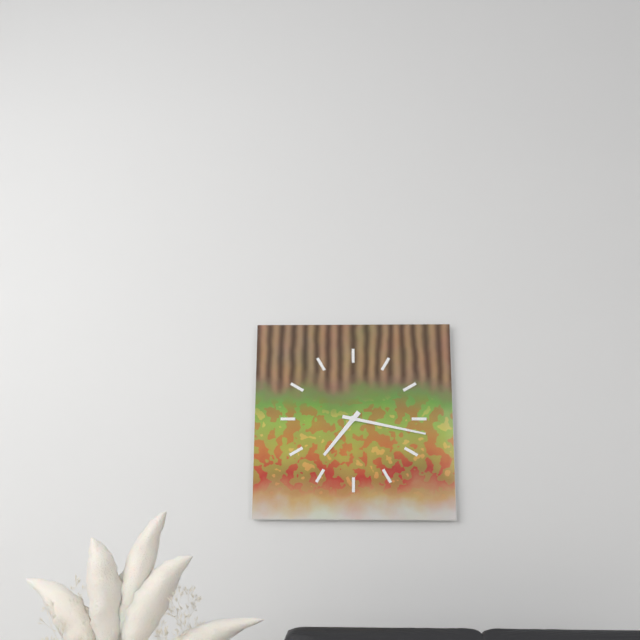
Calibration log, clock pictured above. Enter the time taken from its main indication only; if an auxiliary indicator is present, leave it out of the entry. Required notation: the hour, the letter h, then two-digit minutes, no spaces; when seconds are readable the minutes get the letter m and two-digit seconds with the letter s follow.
7h17
